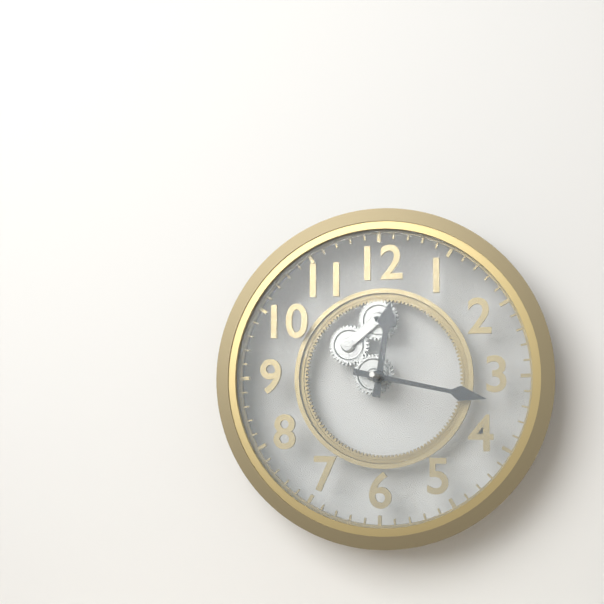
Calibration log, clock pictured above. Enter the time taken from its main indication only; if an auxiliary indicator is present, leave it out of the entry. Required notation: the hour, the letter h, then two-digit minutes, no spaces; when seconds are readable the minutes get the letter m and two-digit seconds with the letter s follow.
12h17
